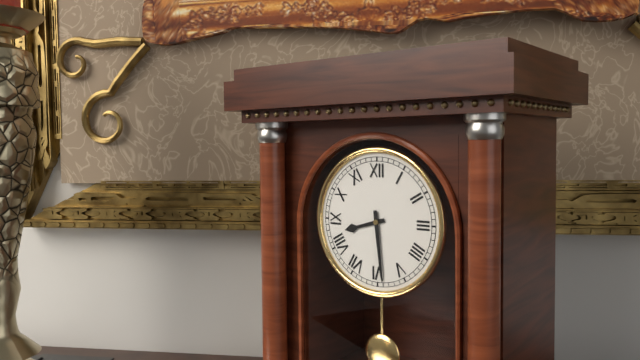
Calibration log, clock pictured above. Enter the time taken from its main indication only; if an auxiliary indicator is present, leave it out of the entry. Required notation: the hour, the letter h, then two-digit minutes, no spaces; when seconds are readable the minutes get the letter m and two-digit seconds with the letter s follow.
8h29
